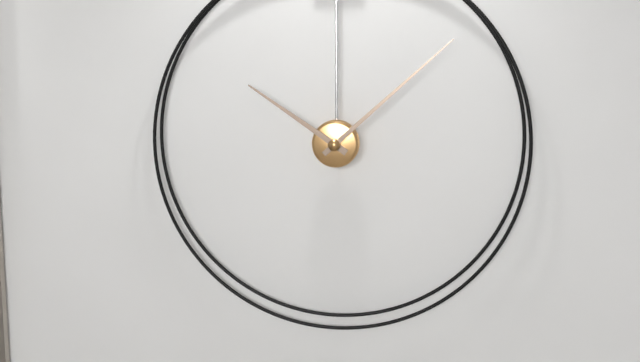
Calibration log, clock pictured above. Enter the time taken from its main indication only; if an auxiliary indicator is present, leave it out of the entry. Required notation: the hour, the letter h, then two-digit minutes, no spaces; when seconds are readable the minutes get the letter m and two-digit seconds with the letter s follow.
10h08
